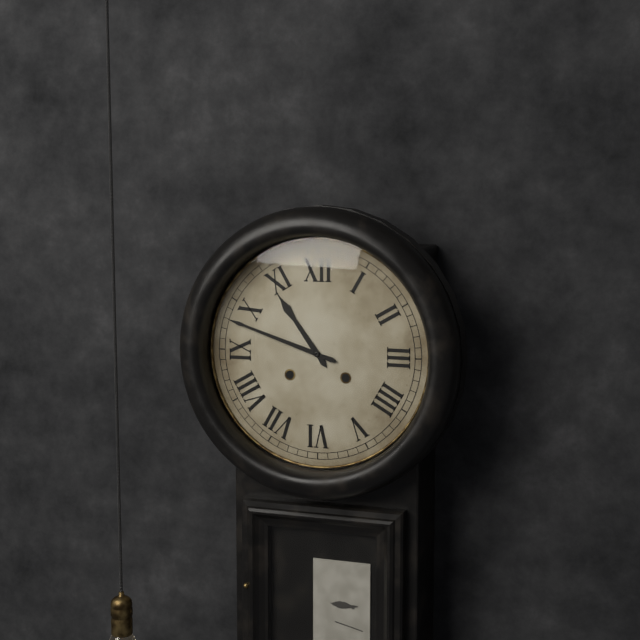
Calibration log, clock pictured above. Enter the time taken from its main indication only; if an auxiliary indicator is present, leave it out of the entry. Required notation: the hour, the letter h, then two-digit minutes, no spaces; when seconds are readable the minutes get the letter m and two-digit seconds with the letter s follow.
10h48
